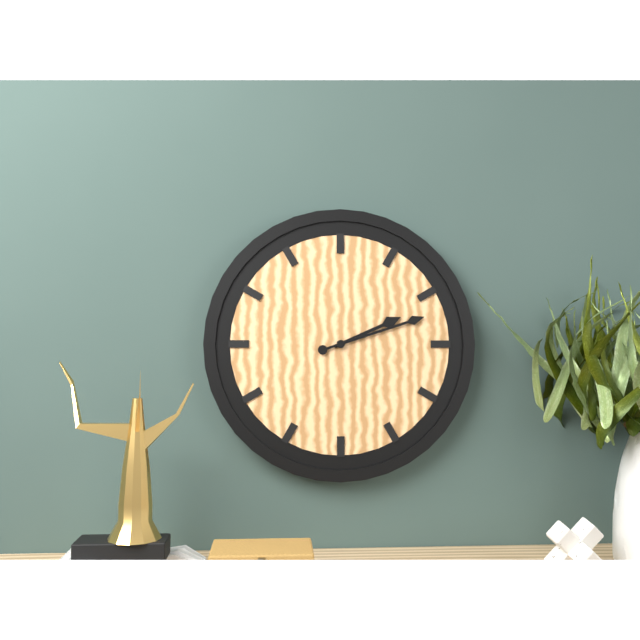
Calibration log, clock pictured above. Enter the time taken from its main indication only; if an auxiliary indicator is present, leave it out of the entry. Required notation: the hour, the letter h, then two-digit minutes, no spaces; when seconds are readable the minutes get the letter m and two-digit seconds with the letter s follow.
2h12
